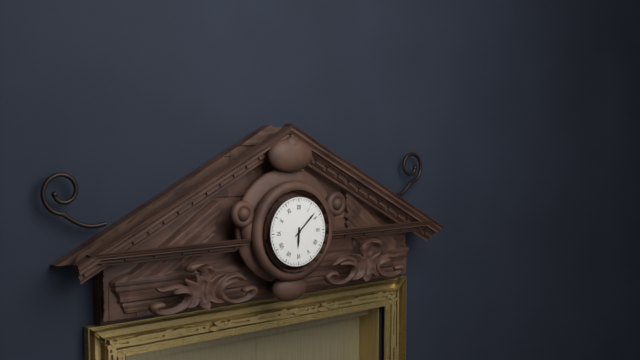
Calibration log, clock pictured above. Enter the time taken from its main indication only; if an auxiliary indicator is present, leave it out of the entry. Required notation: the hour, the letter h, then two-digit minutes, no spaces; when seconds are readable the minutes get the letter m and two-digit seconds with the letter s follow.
6h08
